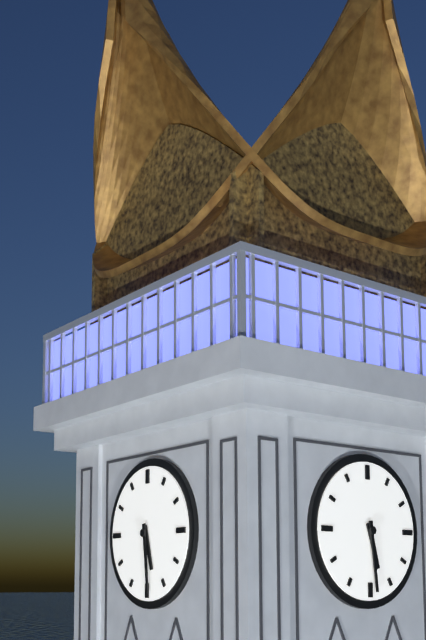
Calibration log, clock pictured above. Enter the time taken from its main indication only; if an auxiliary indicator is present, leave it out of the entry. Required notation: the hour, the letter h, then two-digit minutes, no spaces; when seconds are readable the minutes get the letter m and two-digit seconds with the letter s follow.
5h29
